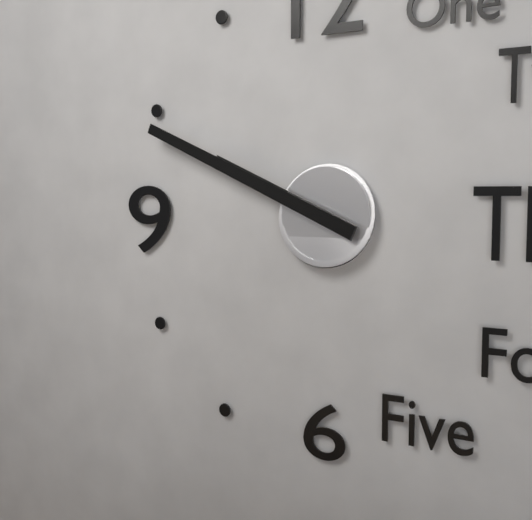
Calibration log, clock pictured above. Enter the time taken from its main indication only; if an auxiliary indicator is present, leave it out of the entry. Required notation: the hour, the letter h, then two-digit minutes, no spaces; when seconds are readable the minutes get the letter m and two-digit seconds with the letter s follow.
9h49
